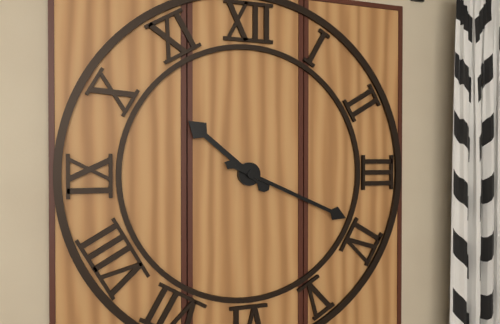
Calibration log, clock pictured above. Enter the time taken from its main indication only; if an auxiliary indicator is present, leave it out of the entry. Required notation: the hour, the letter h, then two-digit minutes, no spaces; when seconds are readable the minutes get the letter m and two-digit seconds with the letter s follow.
10h19
